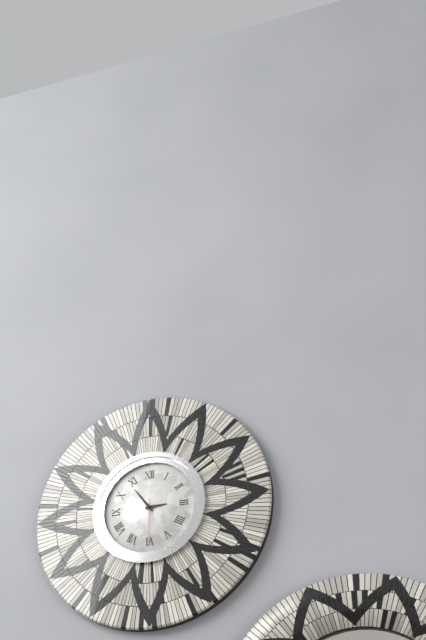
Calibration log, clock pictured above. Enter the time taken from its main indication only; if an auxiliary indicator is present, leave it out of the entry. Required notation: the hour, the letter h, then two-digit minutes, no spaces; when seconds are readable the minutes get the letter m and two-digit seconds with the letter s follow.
2h54
